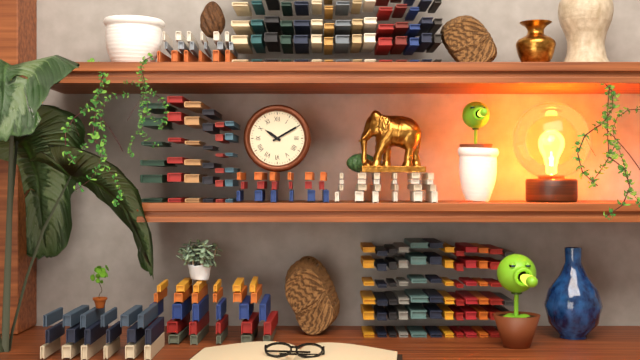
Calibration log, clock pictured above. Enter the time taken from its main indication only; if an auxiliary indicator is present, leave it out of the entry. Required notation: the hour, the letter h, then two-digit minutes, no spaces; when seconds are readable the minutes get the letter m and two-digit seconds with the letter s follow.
10h10
